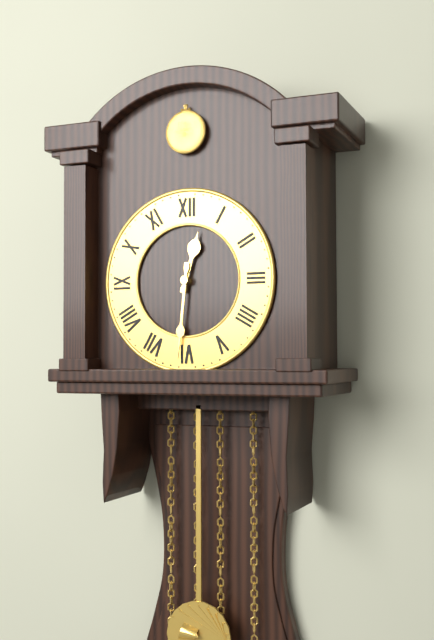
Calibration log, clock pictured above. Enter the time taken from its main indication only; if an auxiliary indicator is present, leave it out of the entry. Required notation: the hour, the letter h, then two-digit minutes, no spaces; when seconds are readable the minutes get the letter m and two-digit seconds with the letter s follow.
12h31
